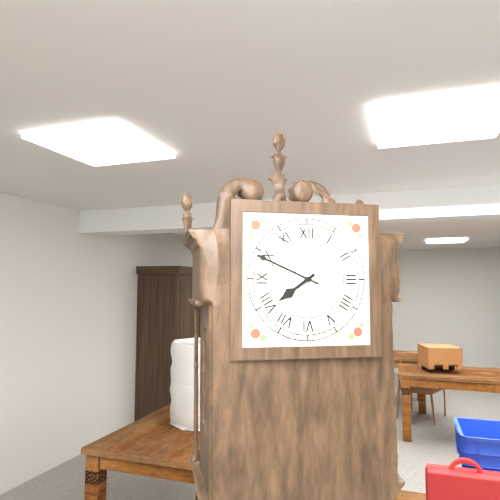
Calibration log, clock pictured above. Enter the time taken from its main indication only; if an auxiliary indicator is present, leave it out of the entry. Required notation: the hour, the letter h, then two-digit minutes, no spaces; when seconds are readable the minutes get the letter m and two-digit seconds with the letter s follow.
7h49
